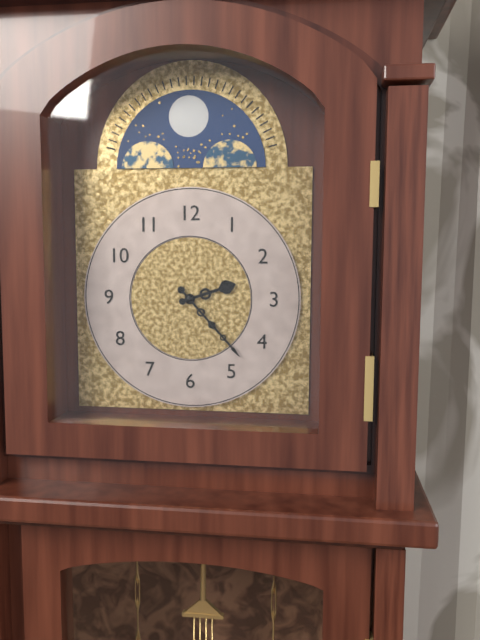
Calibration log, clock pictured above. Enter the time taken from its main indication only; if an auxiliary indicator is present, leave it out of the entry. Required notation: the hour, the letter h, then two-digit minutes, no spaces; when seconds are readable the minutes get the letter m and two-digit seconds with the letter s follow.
2h23
